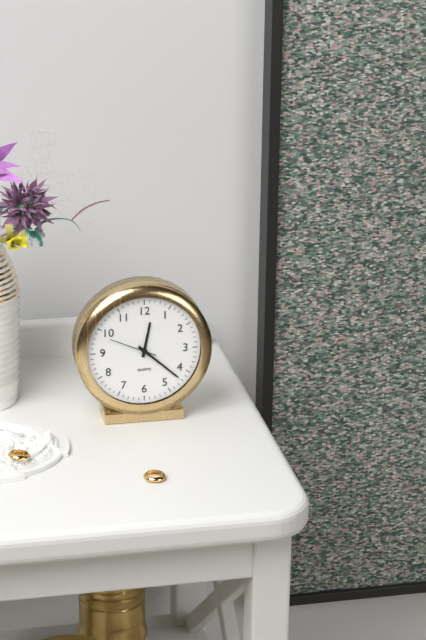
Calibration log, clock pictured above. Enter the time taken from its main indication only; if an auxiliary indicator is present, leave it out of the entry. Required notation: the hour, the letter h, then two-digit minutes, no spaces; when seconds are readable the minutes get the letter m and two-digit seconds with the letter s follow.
12h22
